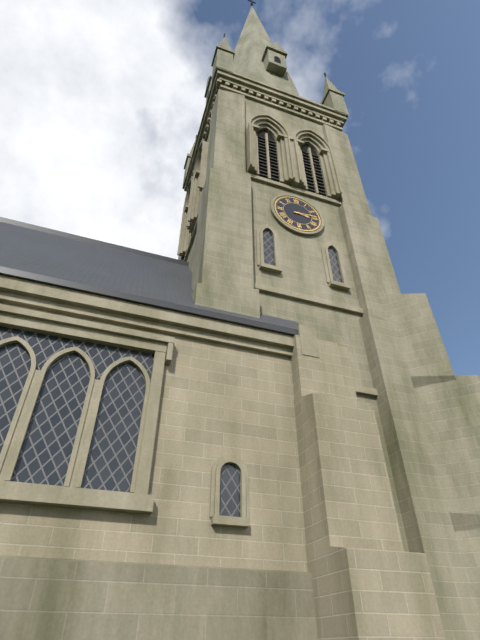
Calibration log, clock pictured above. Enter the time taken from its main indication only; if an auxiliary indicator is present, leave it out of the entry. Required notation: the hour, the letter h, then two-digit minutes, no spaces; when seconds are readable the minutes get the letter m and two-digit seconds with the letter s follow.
3h14
